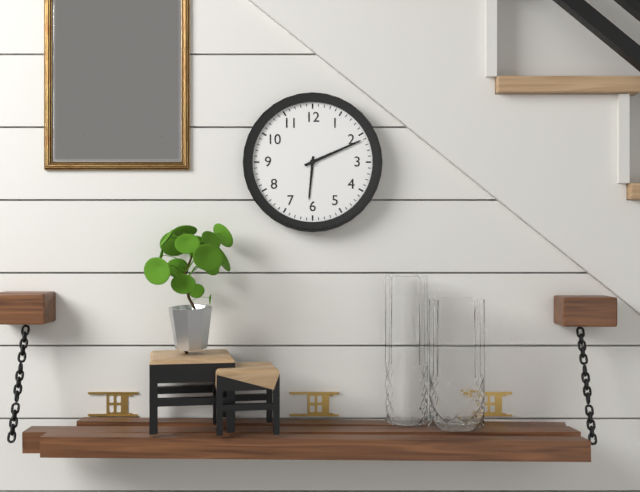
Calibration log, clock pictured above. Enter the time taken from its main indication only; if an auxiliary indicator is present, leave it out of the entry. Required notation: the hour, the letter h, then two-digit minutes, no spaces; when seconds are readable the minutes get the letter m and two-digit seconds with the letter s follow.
6h11
